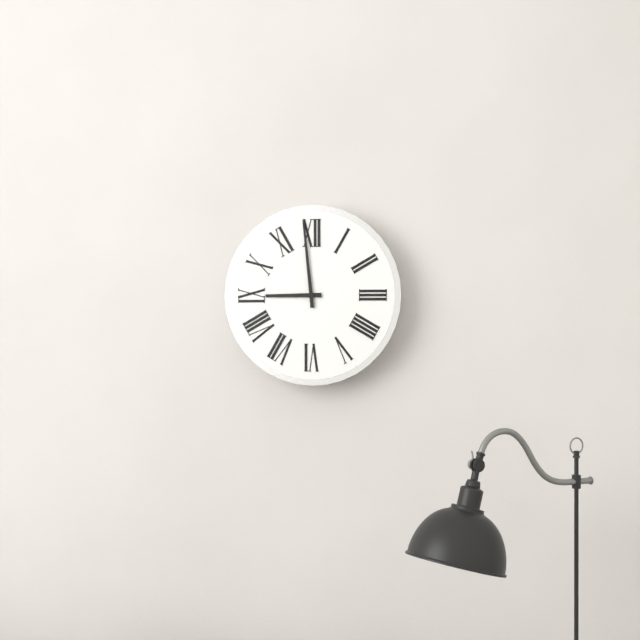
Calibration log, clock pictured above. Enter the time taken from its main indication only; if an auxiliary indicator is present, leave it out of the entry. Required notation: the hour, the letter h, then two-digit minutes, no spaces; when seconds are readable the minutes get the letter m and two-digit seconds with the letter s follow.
8h59
